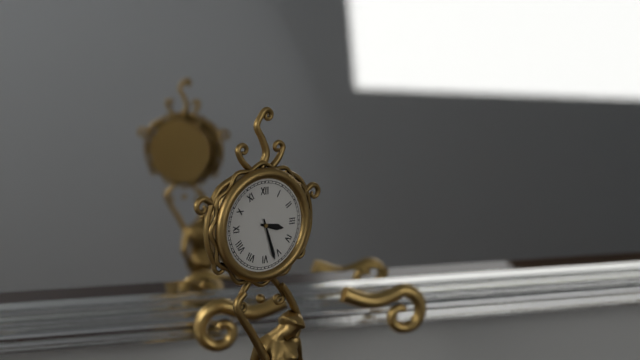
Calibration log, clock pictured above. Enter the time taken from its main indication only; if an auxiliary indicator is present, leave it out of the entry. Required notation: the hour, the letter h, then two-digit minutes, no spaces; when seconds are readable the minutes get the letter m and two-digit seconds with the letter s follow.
3h27
